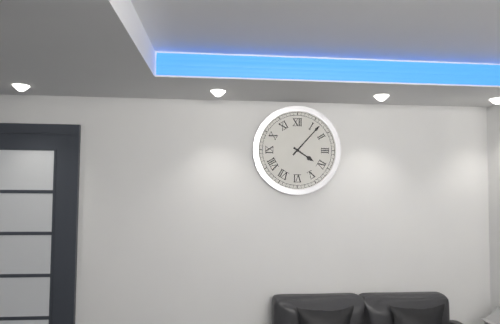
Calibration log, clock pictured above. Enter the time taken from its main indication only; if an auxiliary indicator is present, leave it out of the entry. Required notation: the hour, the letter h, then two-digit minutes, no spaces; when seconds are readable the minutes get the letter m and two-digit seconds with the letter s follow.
4h07
